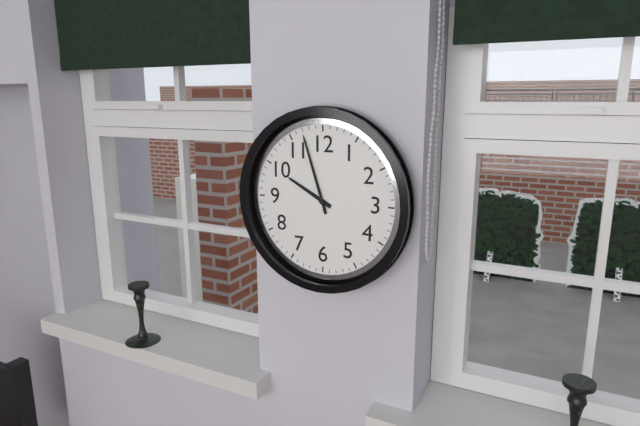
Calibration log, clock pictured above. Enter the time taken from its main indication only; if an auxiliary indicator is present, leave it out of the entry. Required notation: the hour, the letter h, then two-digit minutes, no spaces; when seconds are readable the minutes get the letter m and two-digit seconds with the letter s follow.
9h57
